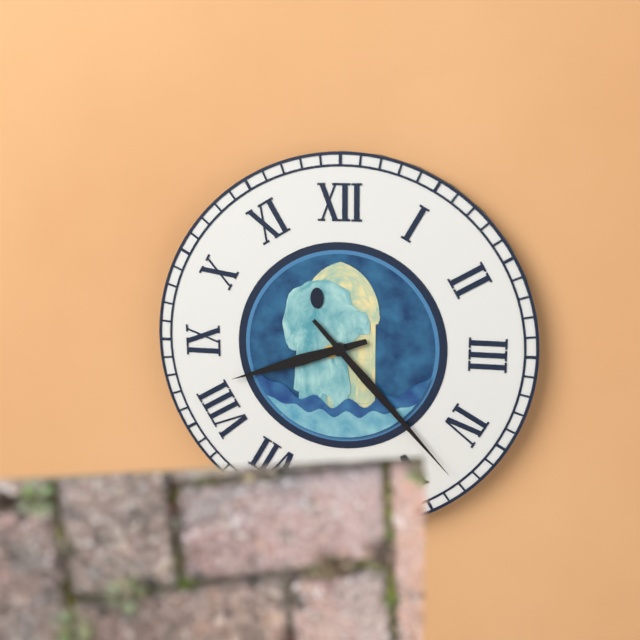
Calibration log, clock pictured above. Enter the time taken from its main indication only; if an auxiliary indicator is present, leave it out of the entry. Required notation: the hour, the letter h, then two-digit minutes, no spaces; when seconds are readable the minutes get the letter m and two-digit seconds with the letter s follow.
8h23
